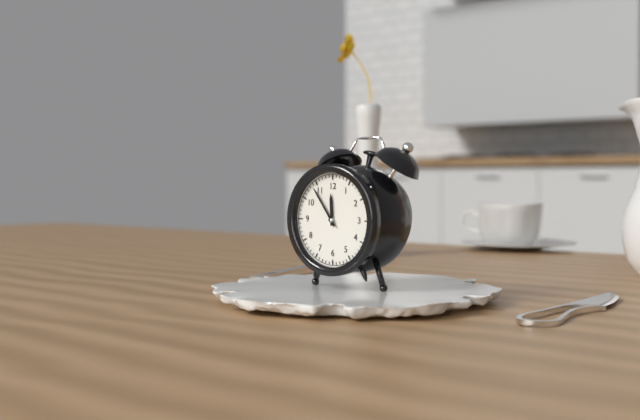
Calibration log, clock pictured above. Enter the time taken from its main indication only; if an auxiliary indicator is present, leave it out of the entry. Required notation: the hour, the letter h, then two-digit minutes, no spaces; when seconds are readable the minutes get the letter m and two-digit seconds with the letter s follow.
11h54
